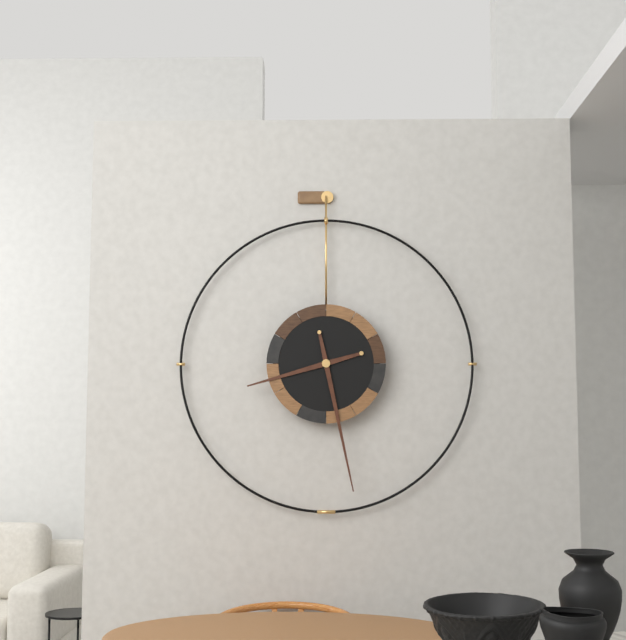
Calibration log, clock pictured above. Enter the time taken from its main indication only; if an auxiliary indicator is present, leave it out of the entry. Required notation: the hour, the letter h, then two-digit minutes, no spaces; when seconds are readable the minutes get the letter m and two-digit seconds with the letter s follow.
8h28
